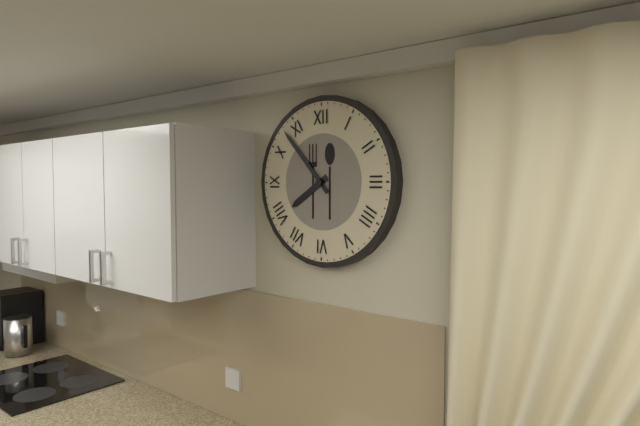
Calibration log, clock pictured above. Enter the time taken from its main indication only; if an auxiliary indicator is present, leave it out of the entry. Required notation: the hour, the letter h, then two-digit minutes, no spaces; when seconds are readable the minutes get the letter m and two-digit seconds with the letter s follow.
7h53
